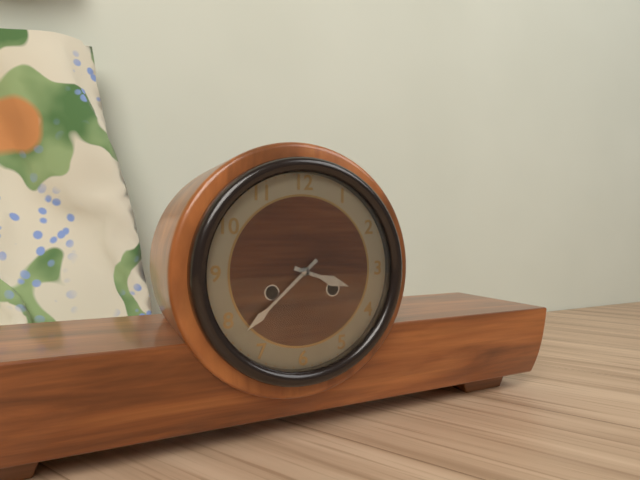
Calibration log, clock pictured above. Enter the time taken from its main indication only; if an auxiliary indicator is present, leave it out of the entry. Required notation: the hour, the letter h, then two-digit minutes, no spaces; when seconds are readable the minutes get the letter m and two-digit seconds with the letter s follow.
3h38
